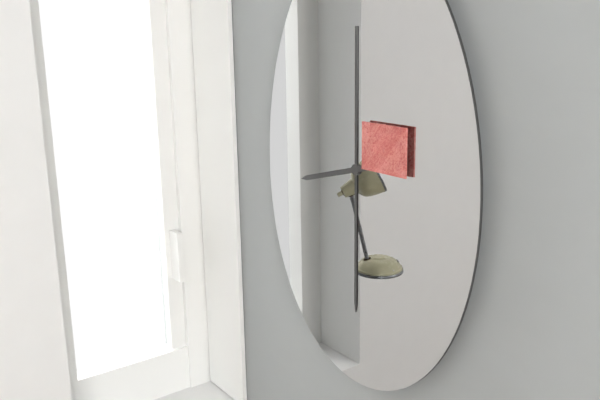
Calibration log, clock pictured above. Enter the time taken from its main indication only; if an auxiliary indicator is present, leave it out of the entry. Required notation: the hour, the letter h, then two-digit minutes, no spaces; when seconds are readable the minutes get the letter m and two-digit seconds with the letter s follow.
8h30
